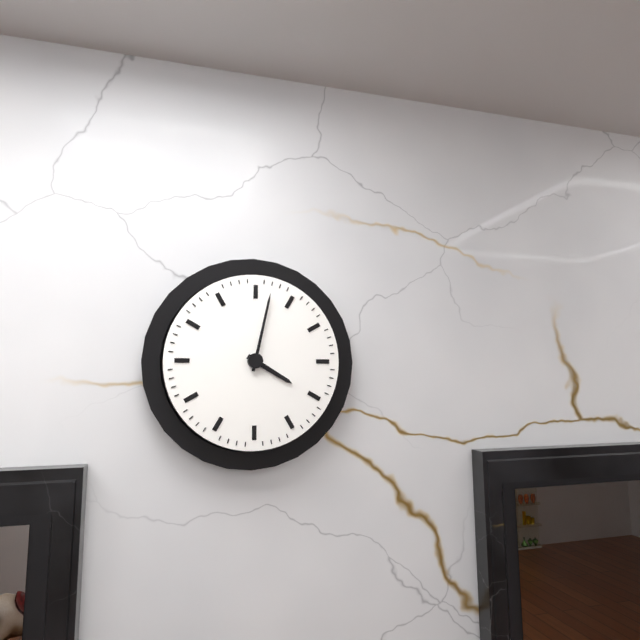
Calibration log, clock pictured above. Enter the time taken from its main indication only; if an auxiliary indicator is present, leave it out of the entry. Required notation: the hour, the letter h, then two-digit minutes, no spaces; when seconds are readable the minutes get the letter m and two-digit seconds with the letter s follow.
4h02
